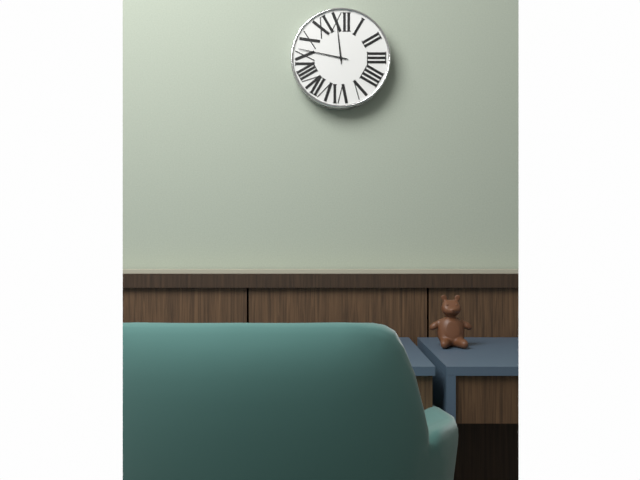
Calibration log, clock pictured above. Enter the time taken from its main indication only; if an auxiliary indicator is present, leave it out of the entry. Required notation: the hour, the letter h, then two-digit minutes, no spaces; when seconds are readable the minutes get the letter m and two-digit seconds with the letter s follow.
11h47
